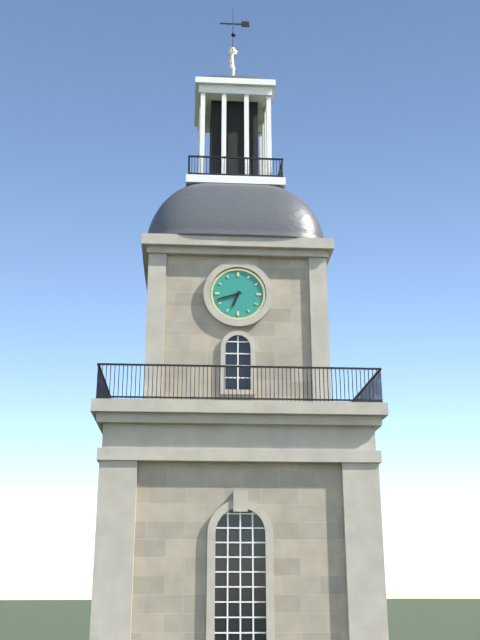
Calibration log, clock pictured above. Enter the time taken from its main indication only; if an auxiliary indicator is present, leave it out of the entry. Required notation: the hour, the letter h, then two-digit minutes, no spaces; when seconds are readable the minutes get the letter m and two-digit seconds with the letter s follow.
6h42
